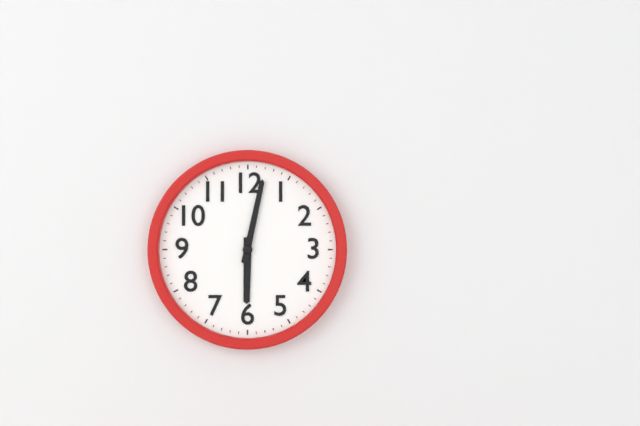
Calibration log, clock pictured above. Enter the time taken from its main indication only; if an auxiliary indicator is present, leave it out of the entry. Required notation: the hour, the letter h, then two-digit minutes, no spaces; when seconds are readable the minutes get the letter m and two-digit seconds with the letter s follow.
6h02
